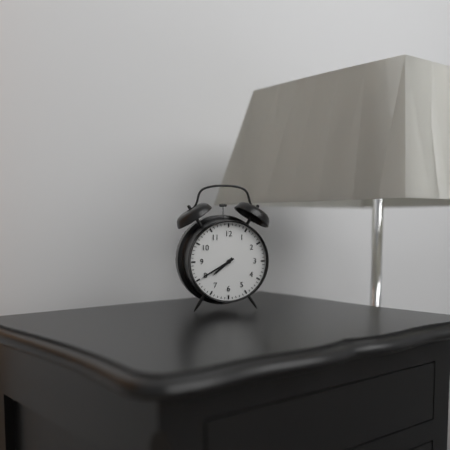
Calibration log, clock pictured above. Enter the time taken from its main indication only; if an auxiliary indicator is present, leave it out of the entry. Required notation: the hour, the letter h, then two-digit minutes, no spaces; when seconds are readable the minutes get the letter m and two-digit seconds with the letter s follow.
7h40
